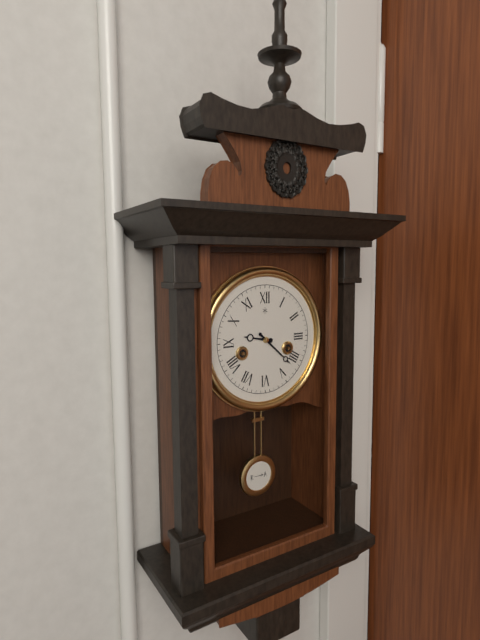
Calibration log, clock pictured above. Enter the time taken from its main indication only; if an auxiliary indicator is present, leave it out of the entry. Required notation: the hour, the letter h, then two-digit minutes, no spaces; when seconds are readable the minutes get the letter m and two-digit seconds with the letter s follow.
9h22
